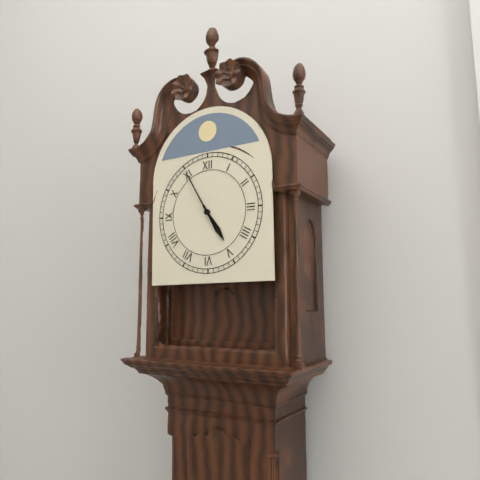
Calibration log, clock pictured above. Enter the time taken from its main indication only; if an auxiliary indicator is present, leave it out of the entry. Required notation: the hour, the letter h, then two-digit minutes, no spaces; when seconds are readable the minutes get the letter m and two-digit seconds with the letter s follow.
4h55
